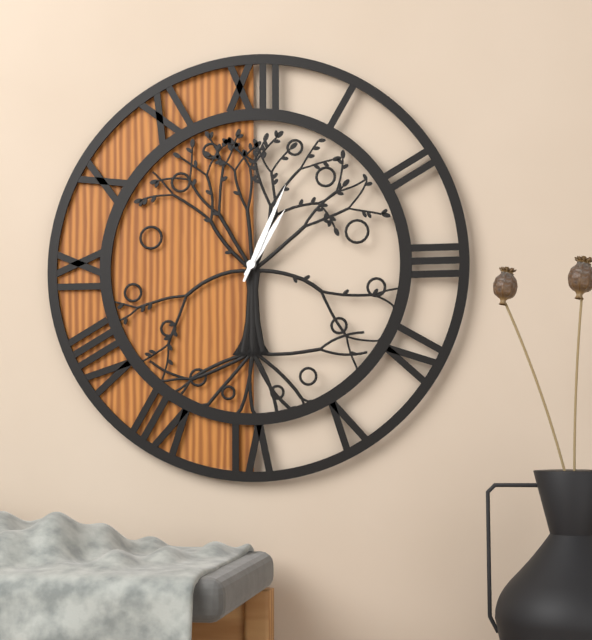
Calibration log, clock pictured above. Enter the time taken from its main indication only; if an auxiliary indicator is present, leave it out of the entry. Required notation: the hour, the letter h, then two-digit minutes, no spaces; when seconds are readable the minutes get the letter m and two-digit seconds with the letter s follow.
1h04
